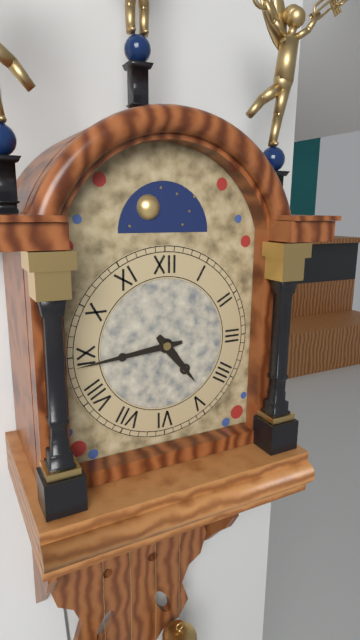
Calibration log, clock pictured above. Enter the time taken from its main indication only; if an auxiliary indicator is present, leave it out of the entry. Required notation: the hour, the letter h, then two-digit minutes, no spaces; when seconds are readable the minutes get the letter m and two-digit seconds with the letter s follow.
4h44
